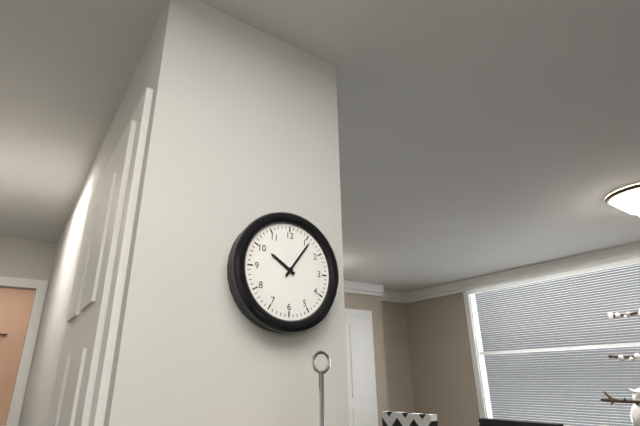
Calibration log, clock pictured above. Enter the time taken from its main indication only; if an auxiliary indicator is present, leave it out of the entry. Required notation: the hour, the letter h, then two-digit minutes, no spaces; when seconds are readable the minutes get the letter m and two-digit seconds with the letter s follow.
10h06
